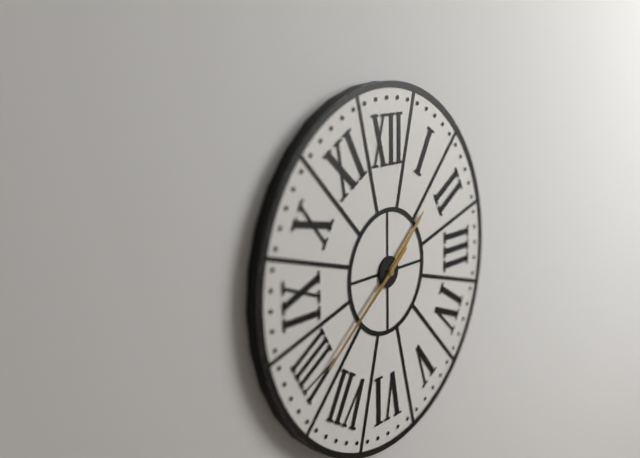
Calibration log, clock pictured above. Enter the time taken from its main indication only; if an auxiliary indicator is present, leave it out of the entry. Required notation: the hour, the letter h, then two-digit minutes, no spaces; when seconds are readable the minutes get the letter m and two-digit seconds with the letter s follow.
1h39
